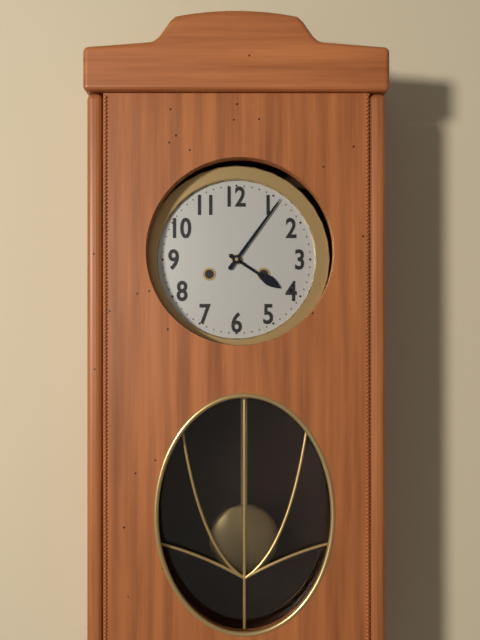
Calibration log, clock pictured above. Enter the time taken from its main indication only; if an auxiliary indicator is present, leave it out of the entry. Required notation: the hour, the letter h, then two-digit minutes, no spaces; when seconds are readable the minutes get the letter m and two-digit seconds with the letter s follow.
4h06
